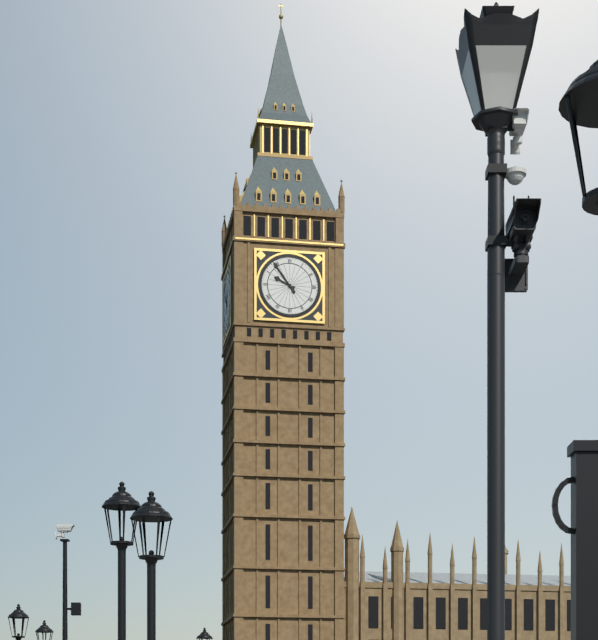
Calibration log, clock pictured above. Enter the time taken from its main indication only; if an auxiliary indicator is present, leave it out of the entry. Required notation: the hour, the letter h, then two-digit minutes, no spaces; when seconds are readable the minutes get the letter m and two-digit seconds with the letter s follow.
9h54
